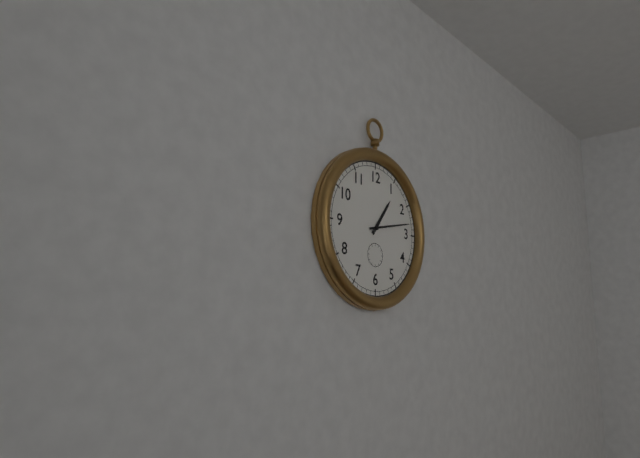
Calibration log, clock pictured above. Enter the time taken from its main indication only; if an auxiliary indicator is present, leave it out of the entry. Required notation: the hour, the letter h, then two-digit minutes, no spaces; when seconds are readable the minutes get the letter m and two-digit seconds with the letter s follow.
1h13
